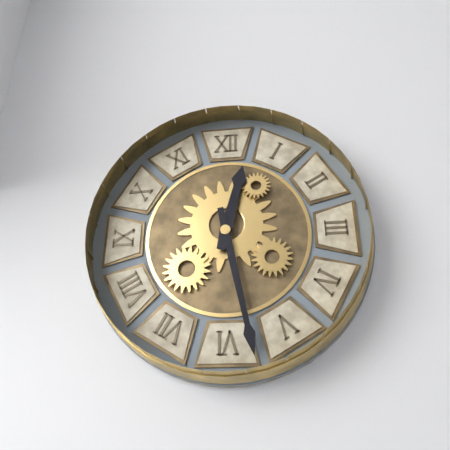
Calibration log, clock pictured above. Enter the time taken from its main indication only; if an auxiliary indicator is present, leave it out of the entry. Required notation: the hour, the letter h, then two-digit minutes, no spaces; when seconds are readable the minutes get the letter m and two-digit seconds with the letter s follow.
12h28
